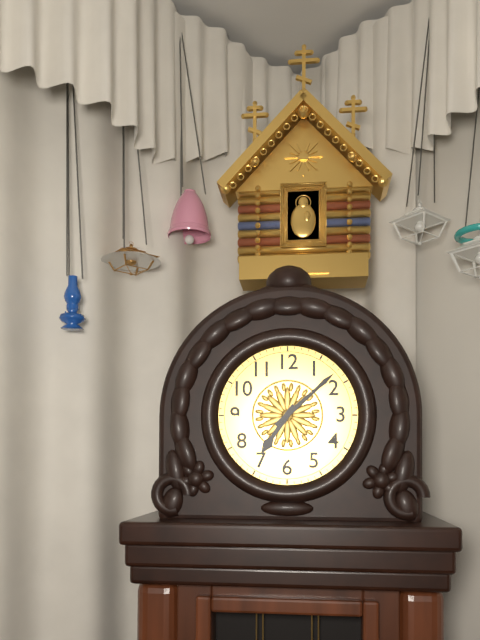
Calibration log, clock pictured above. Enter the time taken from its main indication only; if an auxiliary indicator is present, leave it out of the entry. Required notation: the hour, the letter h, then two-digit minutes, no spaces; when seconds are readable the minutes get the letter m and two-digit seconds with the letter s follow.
7h08
